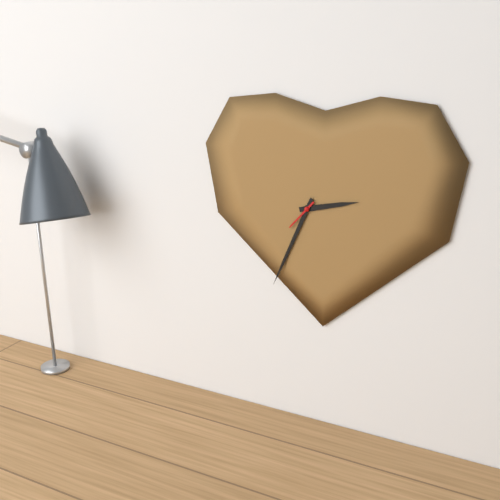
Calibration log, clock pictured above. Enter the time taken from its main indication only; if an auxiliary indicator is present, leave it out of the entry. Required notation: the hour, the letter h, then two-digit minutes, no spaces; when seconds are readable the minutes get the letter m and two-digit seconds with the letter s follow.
2h34
